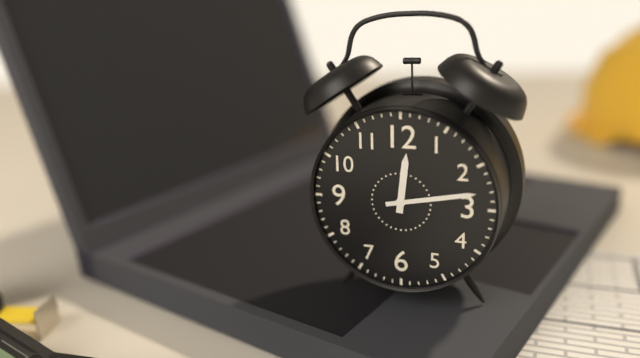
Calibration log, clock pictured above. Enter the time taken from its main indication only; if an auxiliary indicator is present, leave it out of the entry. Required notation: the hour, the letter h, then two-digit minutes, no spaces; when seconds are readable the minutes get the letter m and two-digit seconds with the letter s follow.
12h13
